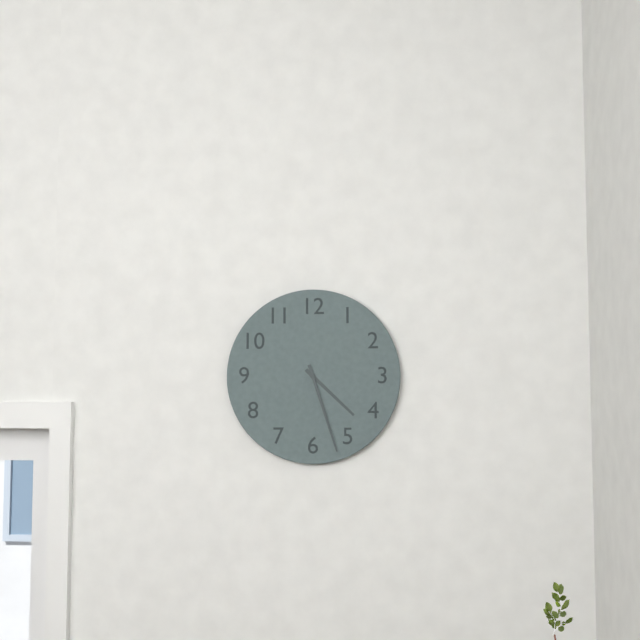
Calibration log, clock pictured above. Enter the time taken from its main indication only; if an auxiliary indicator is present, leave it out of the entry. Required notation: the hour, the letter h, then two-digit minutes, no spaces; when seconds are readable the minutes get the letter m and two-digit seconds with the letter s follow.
4h27
